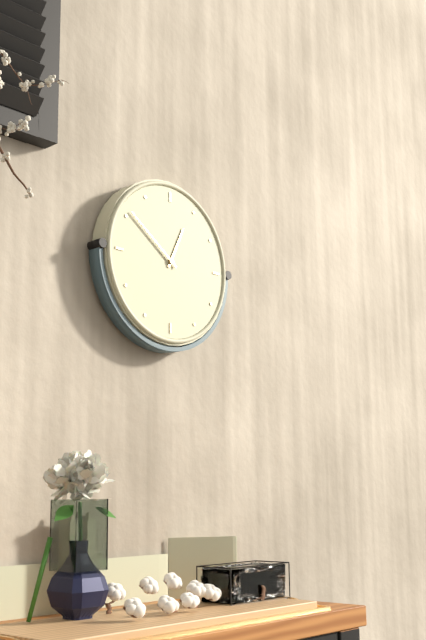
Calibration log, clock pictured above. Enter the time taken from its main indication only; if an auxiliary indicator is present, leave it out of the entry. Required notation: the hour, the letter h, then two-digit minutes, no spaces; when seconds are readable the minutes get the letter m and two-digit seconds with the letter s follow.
12h51
